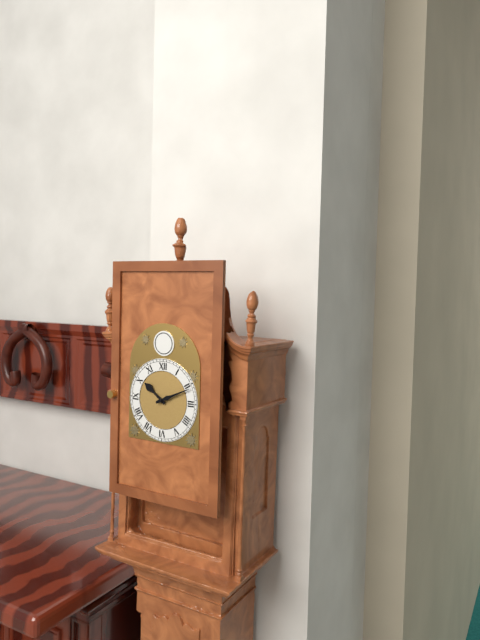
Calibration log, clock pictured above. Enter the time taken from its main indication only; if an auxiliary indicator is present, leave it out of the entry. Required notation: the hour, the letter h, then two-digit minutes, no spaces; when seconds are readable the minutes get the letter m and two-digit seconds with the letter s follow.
10h11
